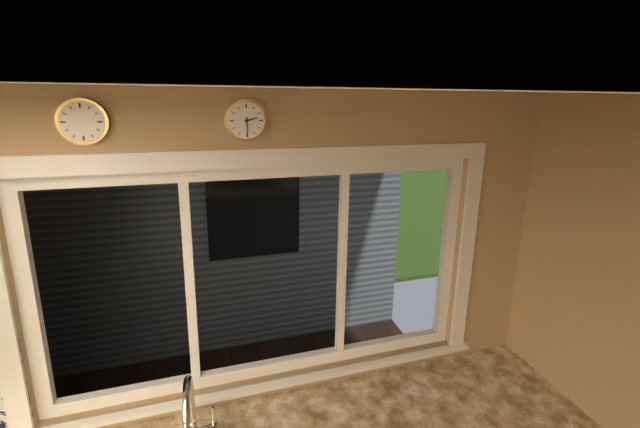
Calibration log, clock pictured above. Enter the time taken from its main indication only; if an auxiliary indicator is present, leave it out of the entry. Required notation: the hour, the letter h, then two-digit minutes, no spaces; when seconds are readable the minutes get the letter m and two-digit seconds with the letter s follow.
2h30
